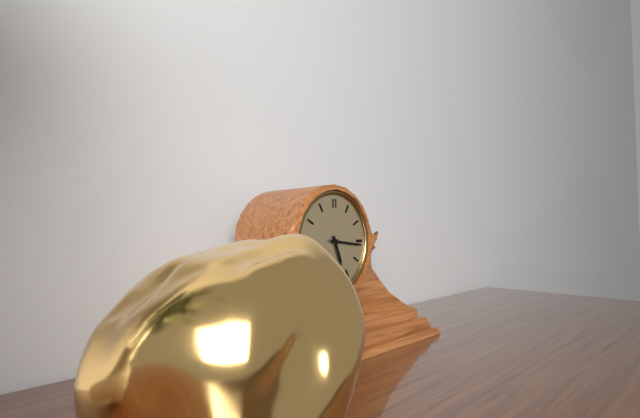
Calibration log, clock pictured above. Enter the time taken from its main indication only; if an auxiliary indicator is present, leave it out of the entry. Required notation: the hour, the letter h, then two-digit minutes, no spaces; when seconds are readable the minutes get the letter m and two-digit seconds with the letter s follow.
5h16
